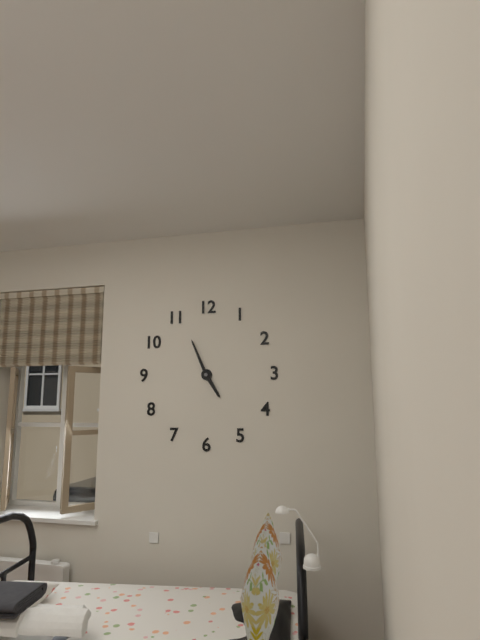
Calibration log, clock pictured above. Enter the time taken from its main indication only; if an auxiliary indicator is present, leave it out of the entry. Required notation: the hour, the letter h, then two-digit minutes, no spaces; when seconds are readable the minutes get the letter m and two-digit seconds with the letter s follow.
4h56
